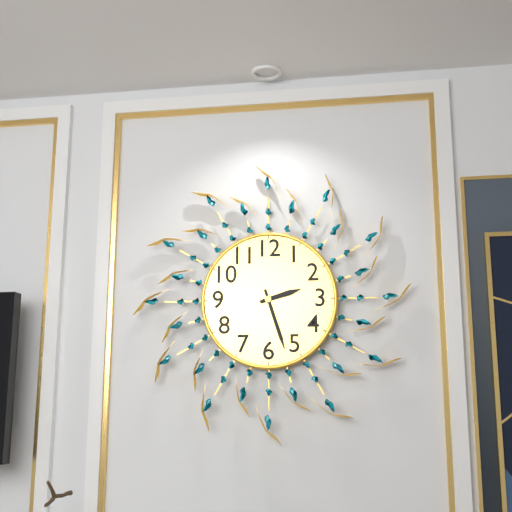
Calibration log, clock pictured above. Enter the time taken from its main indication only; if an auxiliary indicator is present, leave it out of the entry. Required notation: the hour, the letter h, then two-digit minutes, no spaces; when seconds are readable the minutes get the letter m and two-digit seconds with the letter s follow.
2h27
